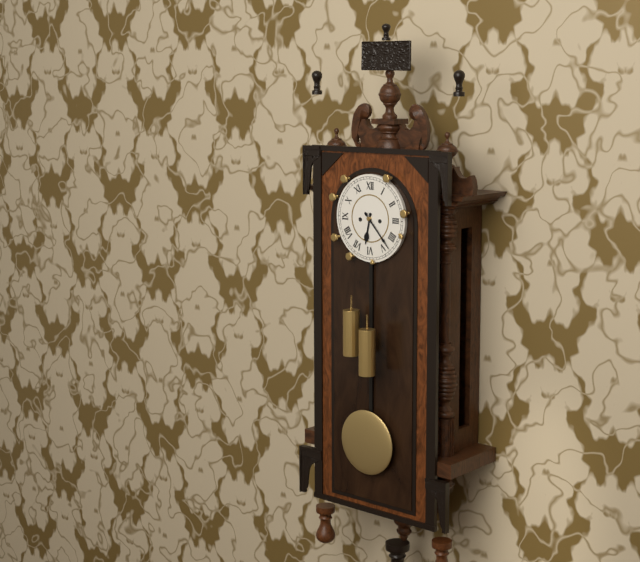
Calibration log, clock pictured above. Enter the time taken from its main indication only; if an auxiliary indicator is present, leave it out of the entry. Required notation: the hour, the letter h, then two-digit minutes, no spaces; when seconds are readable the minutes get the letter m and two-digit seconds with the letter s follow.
6h23
